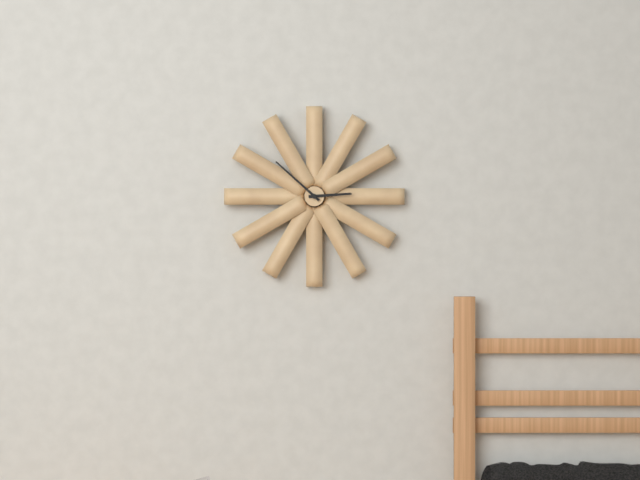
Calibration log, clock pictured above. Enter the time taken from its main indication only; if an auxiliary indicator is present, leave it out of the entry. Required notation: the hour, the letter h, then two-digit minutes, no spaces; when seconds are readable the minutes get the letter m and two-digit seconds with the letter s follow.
2h52
